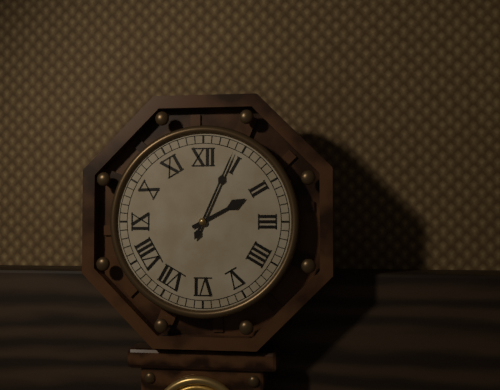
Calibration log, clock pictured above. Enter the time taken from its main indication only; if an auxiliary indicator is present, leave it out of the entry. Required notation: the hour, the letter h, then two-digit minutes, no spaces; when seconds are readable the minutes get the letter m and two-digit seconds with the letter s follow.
2h04
